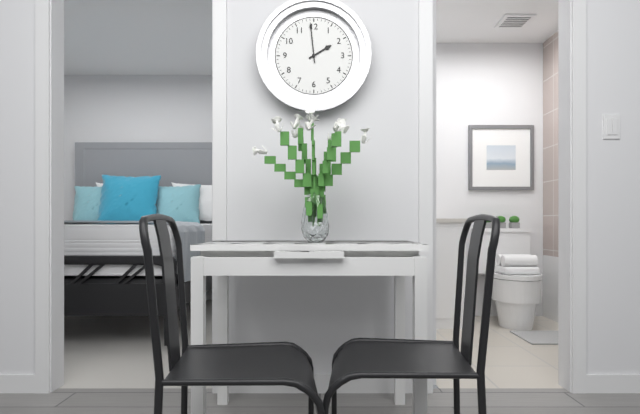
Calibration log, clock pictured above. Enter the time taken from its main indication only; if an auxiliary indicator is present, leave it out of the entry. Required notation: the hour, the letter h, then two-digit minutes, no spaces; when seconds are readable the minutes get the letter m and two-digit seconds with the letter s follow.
1h59
